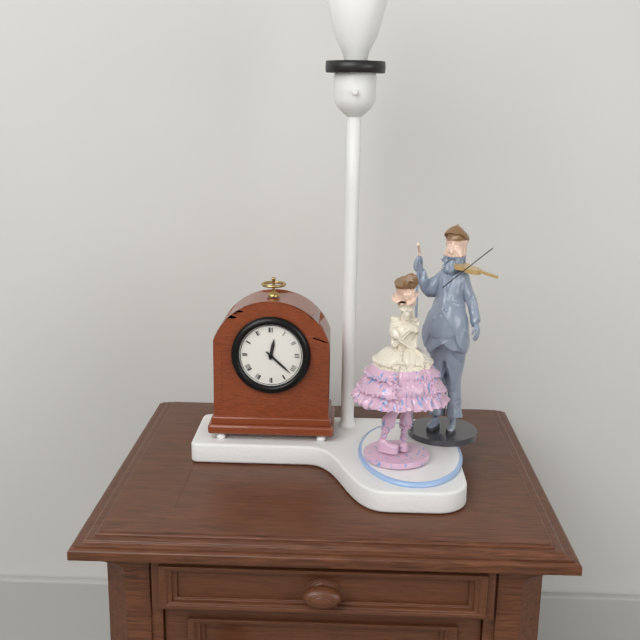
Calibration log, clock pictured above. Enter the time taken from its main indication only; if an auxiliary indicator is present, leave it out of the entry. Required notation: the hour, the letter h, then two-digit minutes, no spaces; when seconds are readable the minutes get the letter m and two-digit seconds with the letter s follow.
12h22
